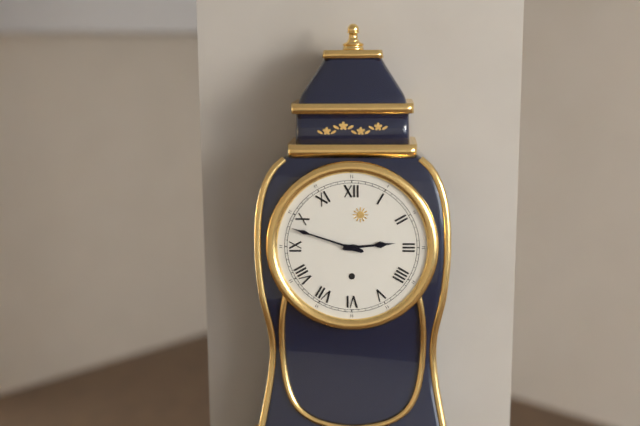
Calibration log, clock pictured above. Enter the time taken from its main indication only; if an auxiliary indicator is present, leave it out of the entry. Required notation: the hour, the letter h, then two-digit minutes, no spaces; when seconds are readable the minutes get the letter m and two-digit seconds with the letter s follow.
2h48
